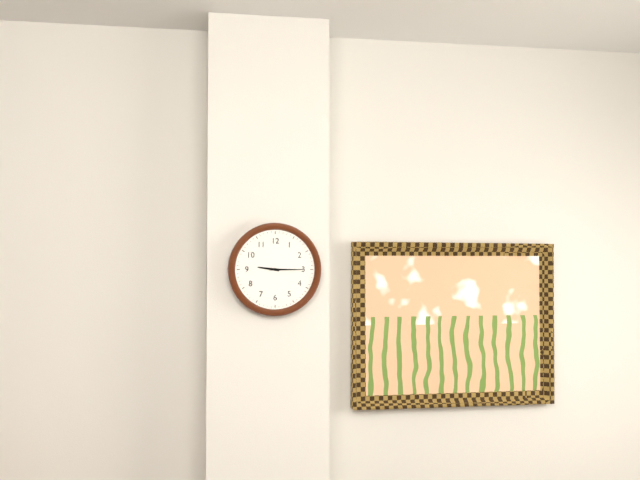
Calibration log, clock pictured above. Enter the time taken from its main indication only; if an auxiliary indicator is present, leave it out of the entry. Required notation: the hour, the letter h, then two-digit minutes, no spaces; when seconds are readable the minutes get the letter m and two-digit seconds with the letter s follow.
9h15
